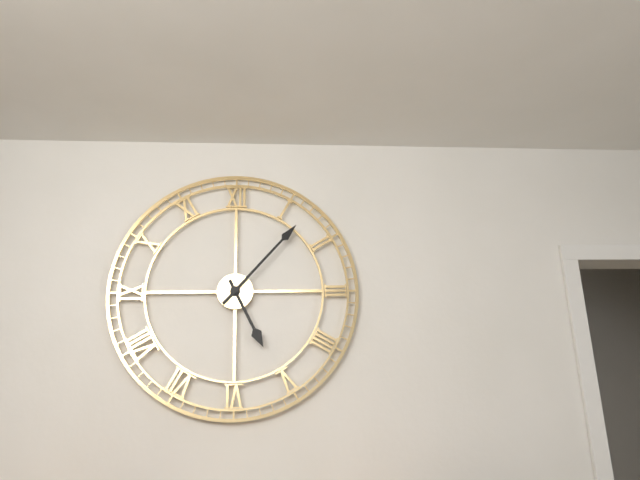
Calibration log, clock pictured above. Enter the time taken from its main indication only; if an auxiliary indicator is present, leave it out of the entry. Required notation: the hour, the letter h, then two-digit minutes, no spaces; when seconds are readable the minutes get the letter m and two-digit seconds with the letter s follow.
5h07
